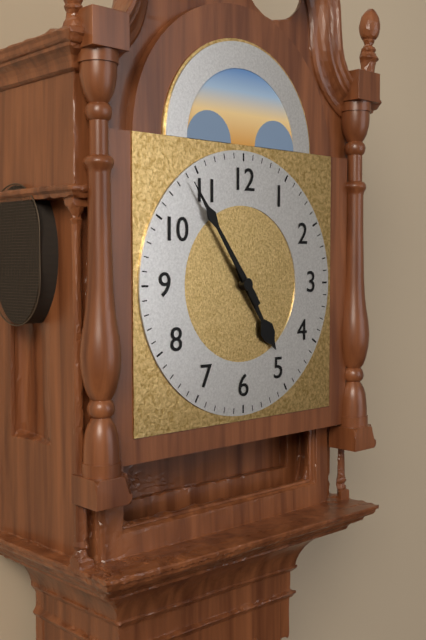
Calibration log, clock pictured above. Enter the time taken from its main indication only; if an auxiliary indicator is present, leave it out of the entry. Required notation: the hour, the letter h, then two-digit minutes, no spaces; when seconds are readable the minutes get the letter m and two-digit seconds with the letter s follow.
4h54
